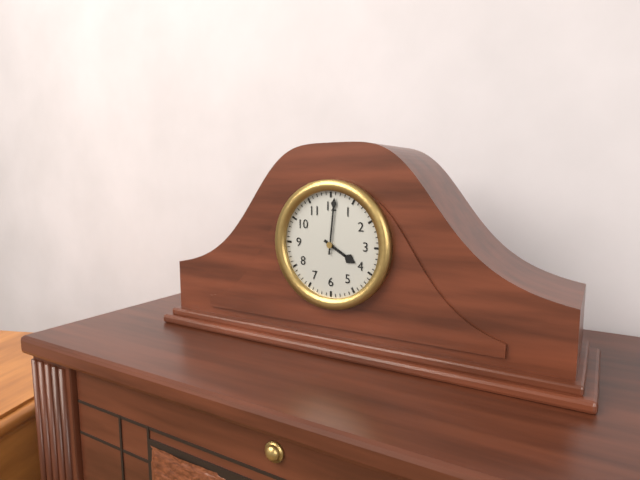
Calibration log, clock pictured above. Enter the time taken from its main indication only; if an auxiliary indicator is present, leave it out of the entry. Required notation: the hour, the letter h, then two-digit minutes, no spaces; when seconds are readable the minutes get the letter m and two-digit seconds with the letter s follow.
4h01
